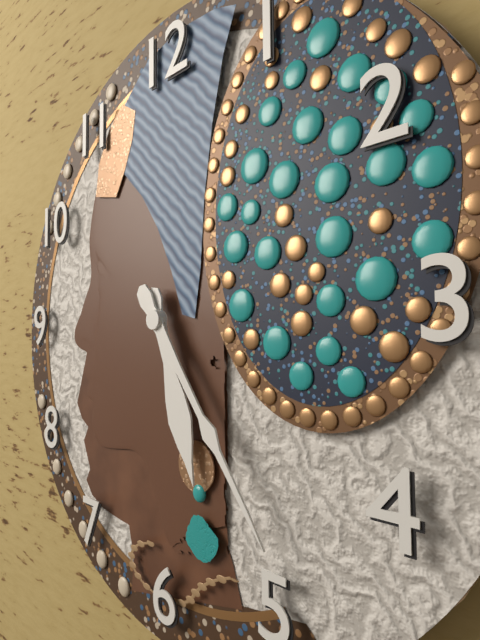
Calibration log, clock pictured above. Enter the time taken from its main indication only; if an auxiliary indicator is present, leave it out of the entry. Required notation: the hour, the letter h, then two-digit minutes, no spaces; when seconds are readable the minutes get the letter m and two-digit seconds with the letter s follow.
5h24
